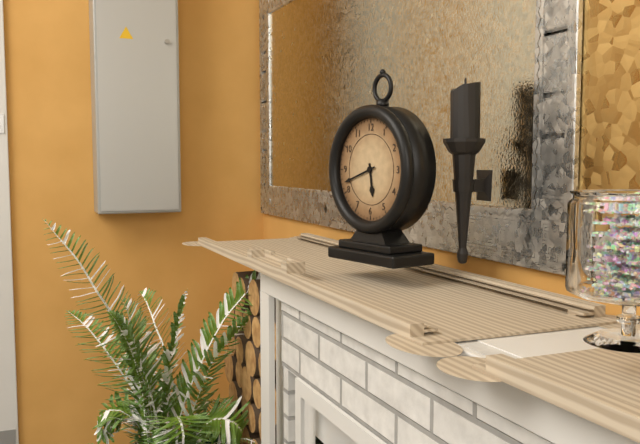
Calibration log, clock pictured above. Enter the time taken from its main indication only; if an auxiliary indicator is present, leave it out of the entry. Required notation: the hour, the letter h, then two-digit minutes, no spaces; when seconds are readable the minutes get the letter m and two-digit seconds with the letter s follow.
5h42
